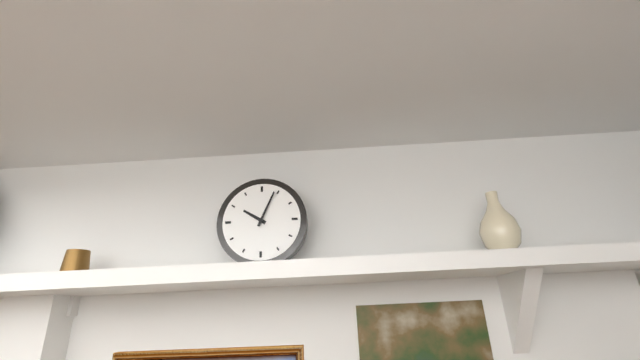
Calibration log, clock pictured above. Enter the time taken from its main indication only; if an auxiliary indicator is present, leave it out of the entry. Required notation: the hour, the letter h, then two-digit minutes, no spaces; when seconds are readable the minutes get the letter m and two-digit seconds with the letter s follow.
10h04
